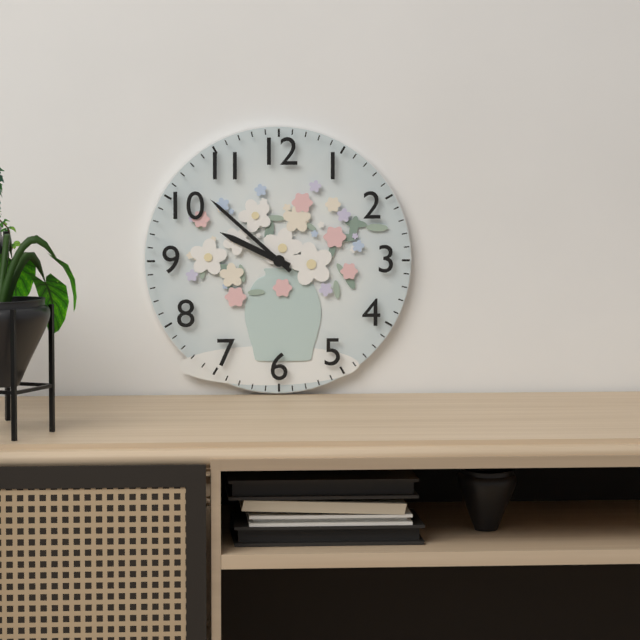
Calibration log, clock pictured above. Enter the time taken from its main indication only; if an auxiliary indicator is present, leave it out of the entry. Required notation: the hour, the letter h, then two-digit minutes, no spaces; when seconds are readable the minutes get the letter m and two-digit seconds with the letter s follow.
9h52
